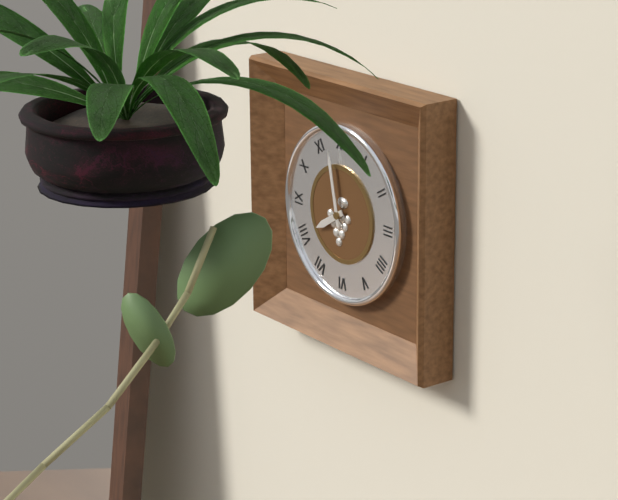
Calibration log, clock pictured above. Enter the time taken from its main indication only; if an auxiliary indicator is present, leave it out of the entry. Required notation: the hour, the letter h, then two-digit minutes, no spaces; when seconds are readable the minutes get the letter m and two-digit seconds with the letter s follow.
7h58
